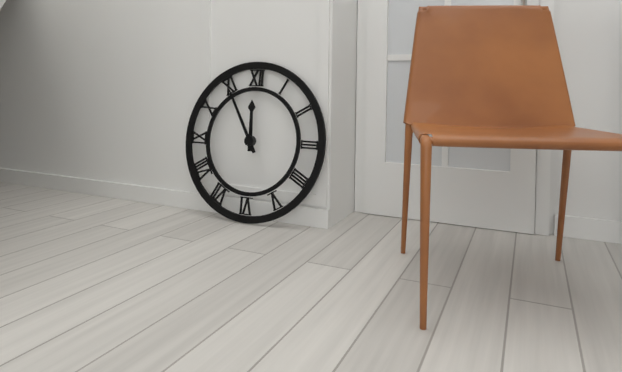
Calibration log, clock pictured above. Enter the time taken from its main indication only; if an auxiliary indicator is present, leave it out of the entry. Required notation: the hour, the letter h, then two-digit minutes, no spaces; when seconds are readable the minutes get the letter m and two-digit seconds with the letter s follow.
11h55
